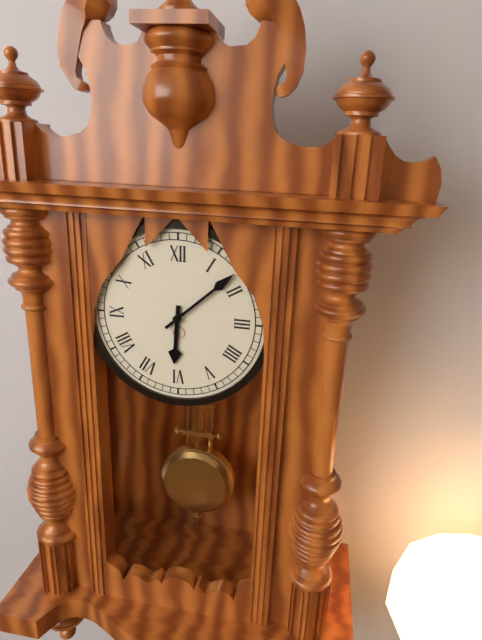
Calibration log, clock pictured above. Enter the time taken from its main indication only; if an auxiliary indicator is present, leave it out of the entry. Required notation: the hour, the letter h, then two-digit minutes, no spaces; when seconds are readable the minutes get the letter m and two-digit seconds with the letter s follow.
6h08
